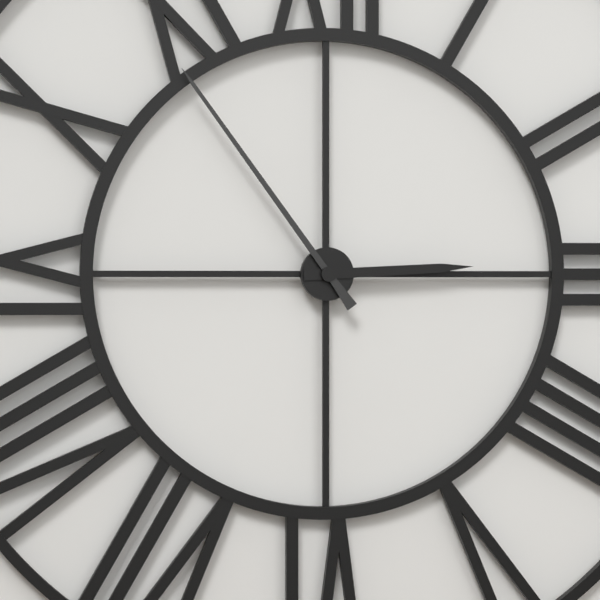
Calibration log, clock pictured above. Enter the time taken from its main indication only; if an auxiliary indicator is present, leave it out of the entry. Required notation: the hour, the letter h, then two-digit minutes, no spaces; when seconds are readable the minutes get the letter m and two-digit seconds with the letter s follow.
2h54
